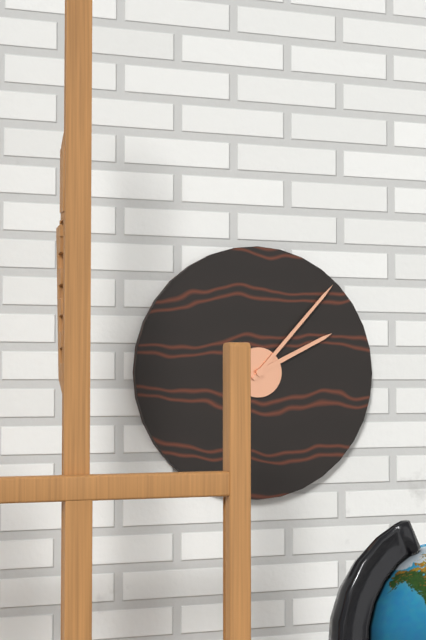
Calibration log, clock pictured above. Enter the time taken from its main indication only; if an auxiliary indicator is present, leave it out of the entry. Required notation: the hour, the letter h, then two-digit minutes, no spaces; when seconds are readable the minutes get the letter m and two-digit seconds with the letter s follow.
2h07
